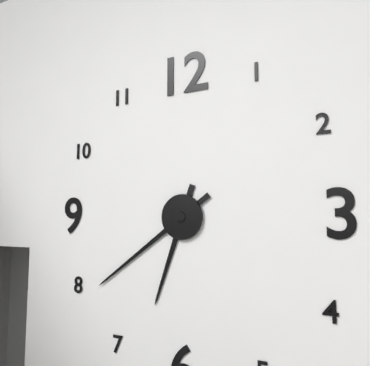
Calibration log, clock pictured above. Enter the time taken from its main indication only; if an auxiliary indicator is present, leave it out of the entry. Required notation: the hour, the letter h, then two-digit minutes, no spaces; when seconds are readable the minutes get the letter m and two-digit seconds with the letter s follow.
6h39
